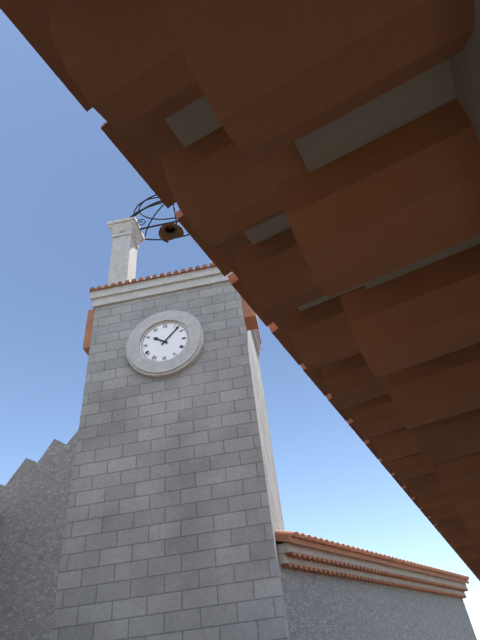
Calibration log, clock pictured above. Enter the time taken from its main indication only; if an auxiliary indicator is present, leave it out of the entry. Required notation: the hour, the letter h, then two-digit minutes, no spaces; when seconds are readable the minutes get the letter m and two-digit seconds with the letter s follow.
10h07
